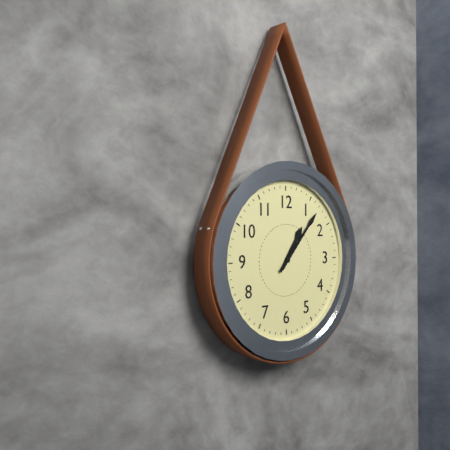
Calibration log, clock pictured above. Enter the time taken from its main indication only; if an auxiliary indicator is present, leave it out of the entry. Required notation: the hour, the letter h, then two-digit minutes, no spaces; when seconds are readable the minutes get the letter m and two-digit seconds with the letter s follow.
1h07
